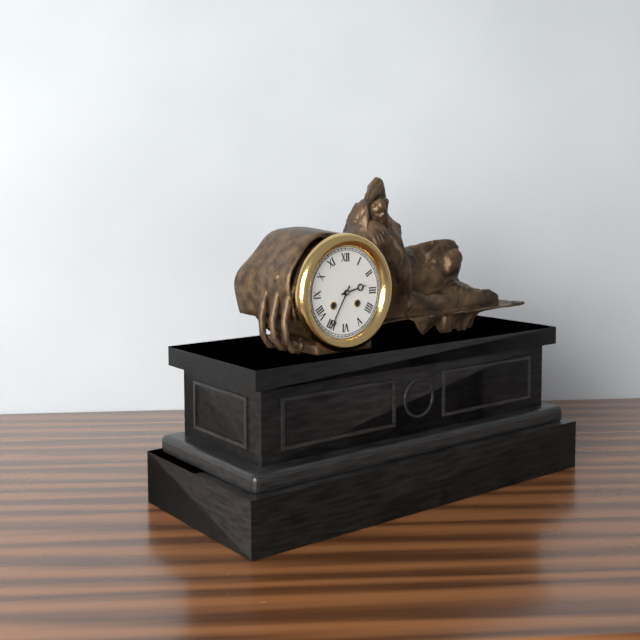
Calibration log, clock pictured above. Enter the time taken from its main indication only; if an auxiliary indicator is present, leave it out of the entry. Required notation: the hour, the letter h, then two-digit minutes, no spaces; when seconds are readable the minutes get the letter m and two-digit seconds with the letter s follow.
2h35
